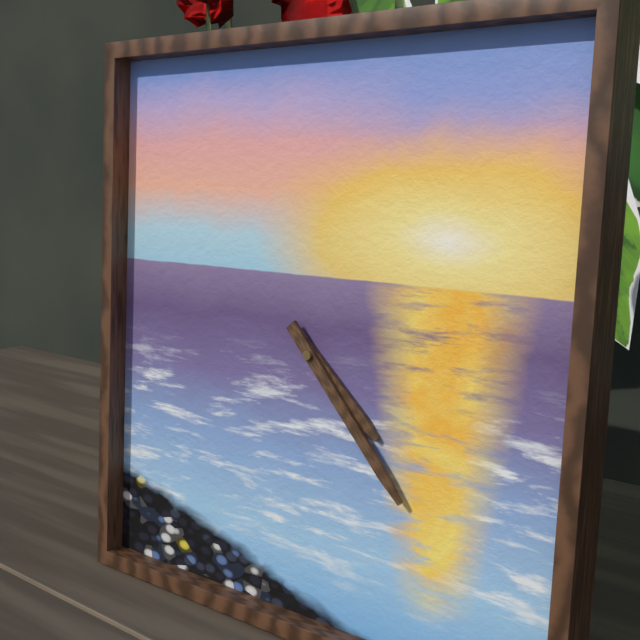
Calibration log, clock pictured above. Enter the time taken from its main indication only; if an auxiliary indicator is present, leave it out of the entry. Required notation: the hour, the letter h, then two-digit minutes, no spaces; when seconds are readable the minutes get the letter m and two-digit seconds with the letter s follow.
4h23
